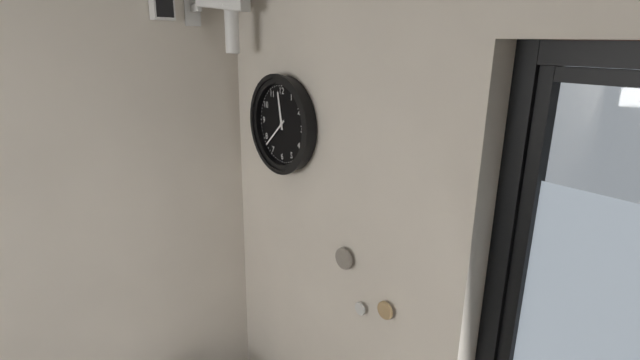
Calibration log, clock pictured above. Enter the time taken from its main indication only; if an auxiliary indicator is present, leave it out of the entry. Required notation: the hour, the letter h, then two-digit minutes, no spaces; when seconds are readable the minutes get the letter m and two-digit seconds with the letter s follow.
11h38
